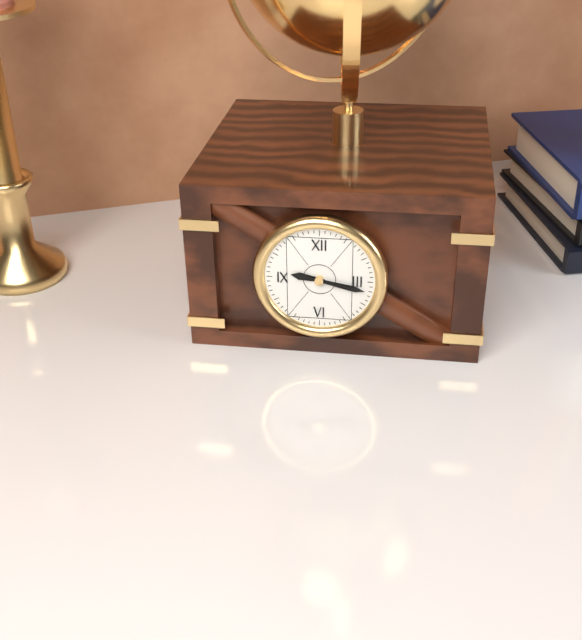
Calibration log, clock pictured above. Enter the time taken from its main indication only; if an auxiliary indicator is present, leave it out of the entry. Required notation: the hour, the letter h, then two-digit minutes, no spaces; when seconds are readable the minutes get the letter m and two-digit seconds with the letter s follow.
9h17
